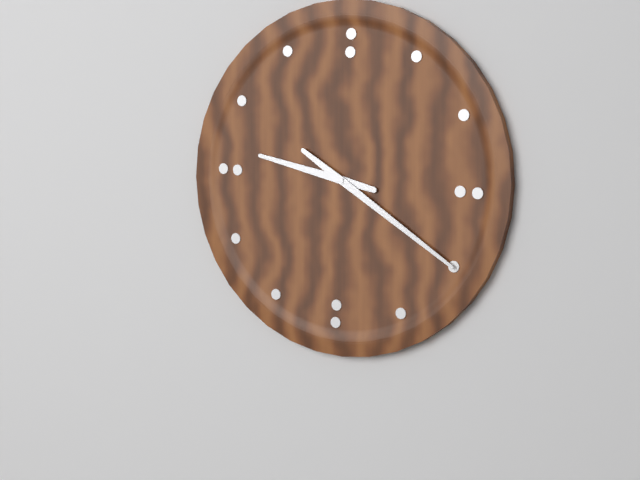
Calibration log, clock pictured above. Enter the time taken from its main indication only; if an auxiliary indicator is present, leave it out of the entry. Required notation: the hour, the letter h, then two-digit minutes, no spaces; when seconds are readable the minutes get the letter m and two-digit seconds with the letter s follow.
9h20
